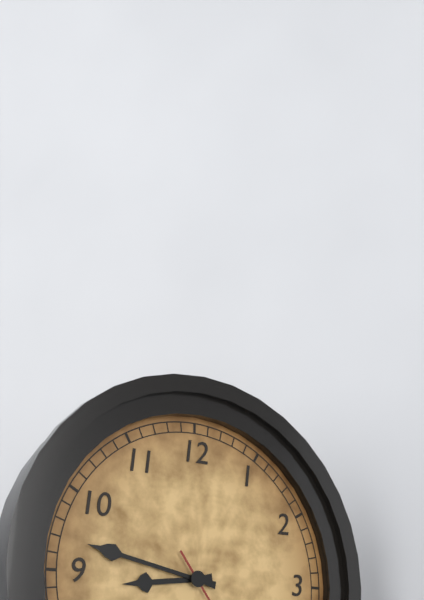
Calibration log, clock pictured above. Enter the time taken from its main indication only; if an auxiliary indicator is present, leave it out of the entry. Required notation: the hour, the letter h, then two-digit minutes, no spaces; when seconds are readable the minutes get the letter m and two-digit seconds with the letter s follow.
8h47
